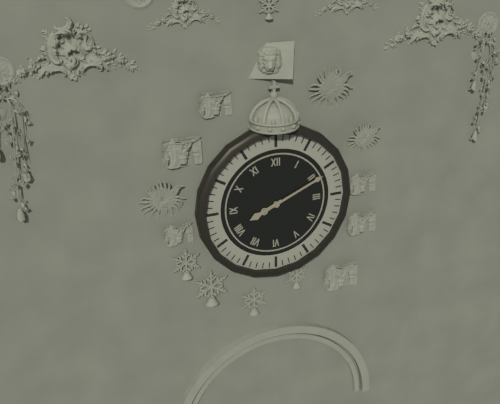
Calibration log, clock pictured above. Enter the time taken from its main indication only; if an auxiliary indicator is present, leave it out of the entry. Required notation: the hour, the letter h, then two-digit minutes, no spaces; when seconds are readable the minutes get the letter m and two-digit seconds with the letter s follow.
8h11
